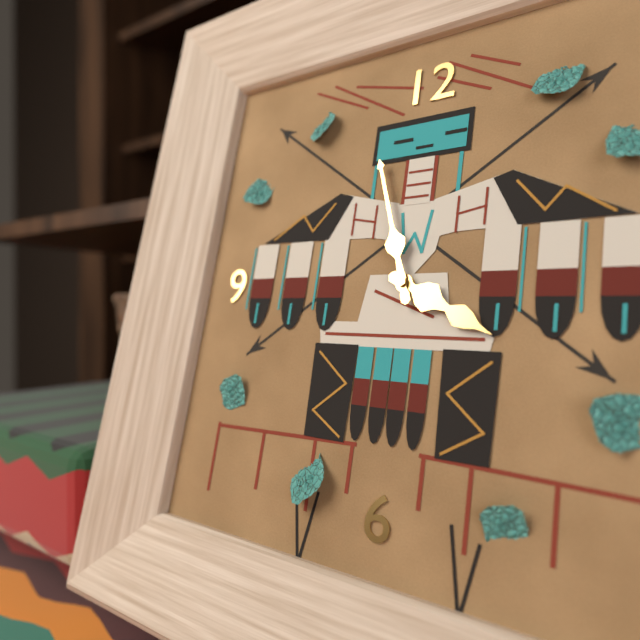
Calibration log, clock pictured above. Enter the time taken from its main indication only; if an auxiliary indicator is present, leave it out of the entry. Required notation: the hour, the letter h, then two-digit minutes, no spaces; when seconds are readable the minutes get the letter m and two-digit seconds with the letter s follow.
3h57
